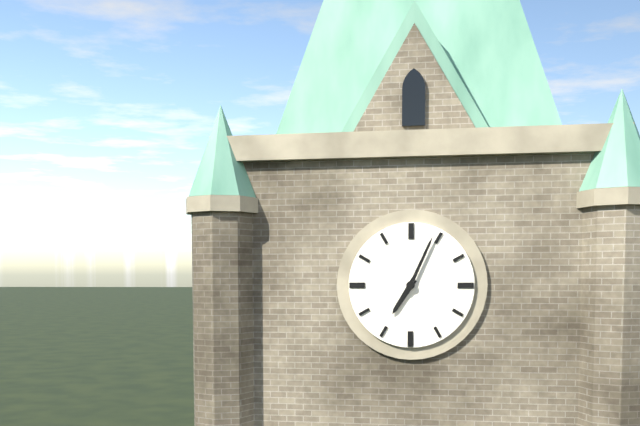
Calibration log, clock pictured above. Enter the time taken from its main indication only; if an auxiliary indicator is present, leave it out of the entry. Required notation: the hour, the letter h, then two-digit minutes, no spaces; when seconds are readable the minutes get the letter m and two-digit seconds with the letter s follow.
7h04
